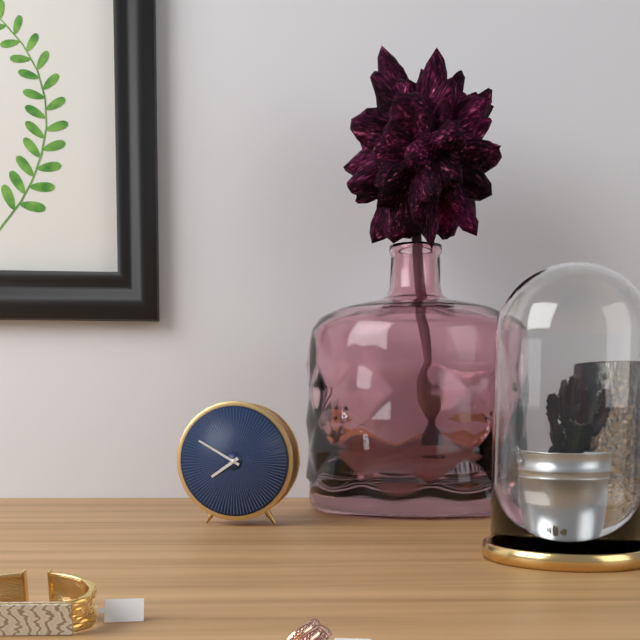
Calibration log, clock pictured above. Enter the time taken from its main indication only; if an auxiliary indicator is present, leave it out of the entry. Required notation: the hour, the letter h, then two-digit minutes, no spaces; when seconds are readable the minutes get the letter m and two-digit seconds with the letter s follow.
7h50
